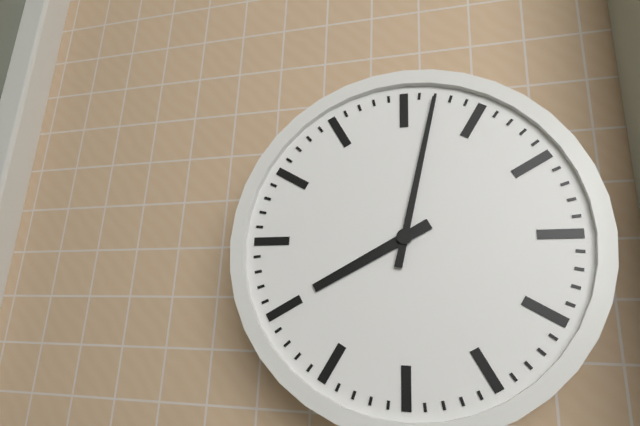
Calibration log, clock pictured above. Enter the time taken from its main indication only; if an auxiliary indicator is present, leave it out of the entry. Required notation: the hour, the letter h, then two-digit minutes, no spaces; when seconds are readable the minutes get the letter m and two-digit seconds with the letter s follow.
8h02
